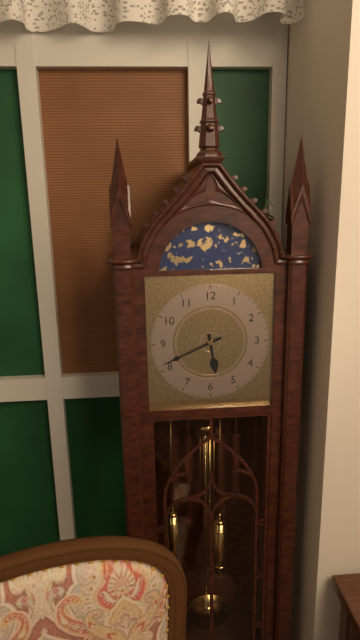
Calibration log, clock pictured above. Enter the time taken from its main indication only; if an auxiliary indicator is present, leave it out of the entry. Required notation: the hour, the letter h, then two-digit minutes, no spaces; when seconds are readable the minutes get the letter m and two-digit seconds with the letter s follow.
5h41
